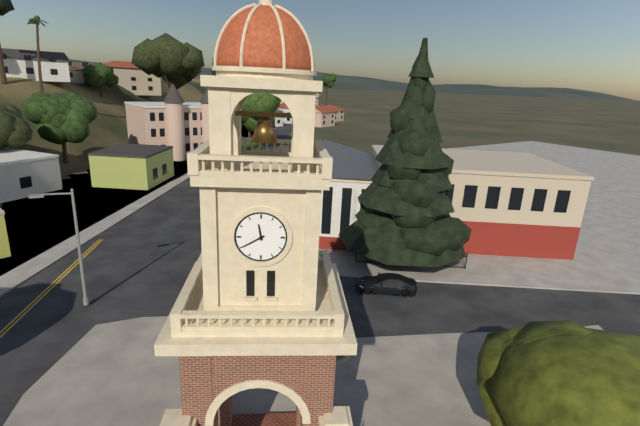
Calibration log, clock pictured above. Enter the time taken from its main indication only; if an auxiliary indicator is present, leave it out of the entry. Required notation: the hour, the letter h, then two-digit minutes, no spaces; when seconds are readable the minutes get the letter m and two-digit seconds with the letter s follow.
11h40
